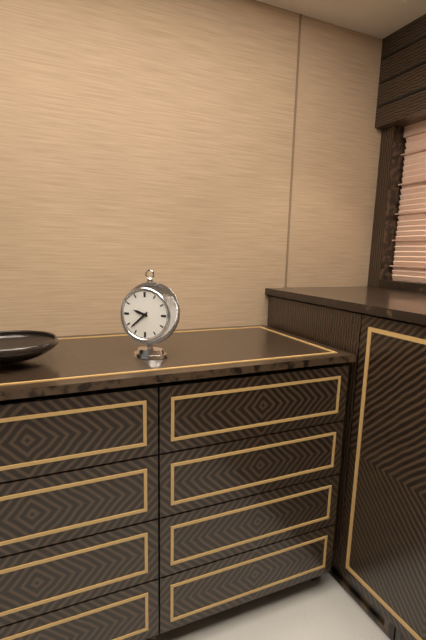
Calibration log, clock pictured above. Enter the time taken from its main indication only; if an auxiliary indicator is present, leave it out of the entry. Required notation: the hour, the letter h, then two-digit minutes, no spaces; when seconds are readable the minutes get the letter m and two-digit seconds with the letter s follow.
9h38
